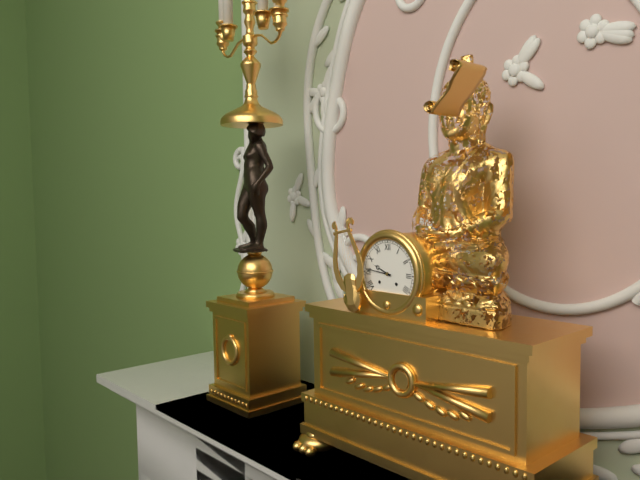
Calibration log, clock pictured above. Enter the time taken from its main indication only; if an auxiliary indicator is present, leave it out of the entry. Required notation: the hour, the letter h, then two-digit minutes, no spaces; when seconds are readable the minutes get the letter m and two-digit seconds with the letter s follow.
9h46
